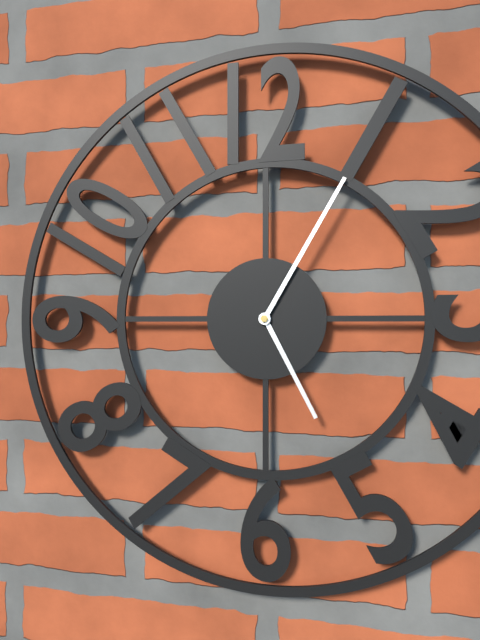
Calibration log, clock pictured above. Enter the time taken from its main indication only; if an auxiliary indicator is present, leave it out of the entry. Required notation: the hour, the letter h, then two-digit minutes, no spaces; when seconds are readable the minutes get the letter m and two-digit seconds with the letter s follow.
5h05
